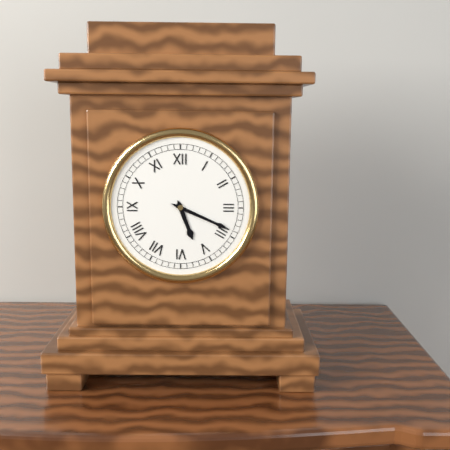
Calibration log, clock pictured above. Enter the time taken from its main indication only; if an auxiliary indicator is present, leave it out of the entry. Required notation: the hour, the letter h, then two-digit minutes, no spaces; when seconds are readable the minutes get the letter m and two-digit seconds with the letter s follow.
5h19
